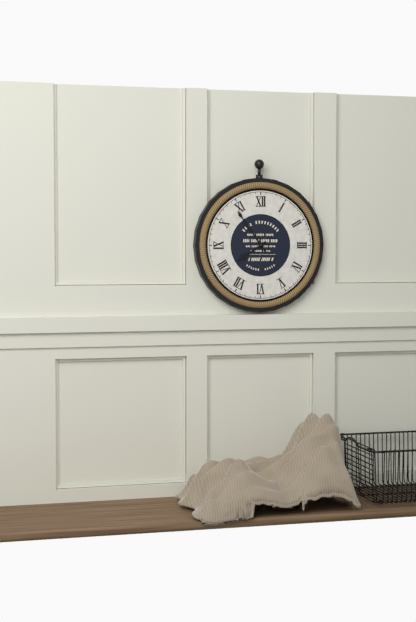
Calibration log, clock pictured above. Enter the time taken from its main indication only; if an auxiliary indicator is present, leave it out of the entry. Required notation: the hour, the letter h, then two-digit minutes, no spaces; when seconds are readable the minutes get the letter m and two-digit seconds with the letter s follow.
7h54
